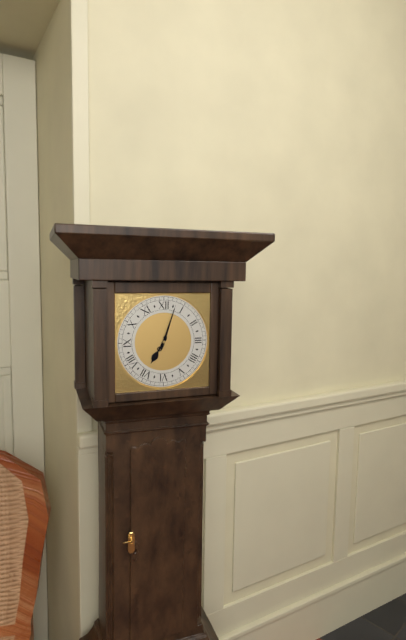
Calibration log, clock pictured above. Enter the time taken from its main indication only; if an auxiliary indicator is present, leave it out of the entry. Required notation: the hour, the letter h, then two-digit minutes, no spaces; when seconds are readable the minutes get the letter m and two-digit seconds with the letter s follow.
7h03
